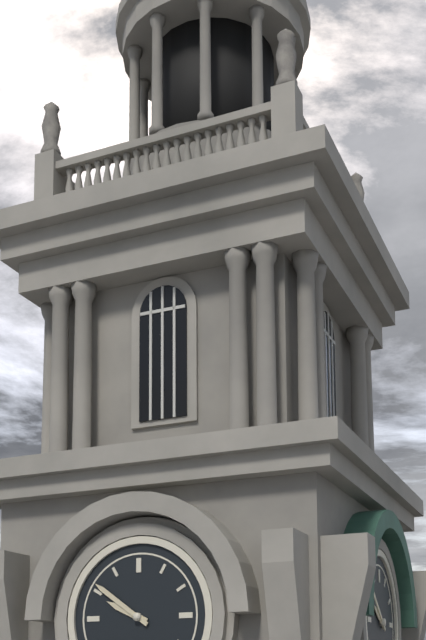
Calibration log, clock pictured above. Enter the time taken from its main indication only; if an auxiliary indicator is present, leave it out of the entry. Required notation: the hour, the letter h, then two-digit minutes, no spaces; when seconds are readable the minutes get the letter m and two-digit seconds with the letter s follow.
9h51
